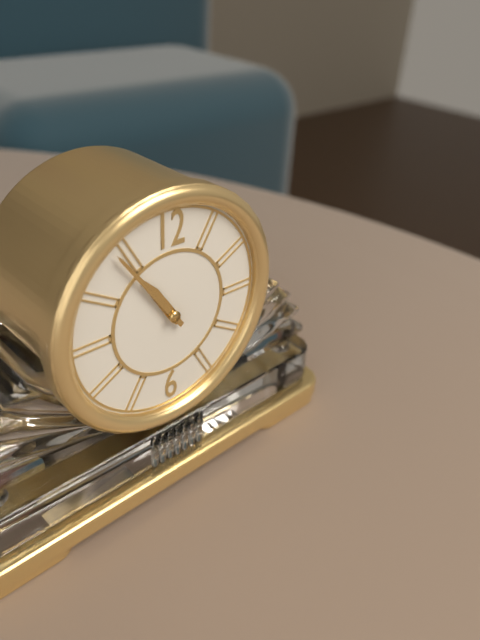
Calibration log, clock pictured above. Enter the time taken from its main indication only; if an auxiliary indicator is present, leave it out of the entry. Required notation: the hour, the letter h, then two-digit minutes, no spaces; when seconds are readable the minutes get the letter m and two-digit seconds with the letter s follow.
10h54
